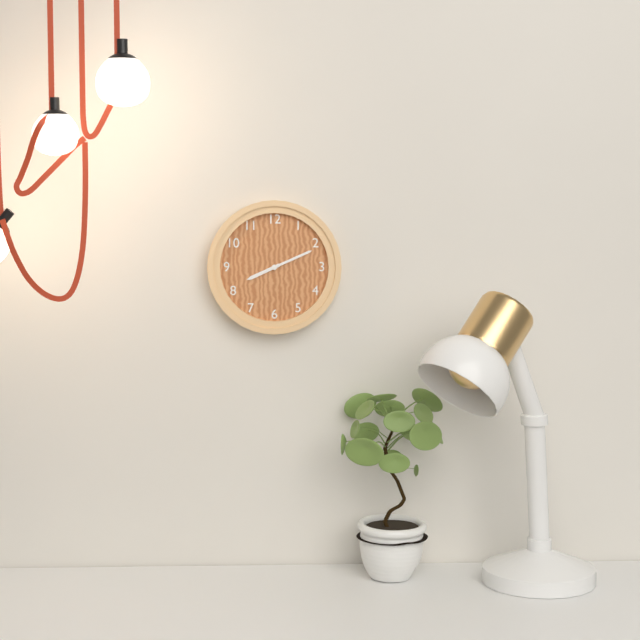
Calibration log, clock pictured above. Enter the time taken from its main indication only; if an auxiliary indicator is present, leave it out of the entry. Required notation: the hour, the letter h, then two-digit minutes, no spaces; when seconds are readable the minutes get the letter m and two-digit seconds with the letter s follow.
8h11
